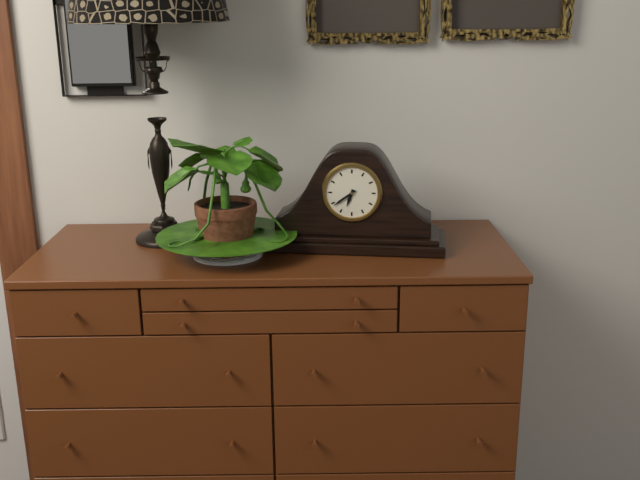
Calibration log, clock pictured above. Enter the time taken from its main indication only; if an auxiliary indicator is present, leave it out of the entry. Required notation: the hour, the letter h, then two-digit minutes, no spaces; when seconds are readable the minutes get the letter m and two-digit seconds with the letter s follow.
6h39
